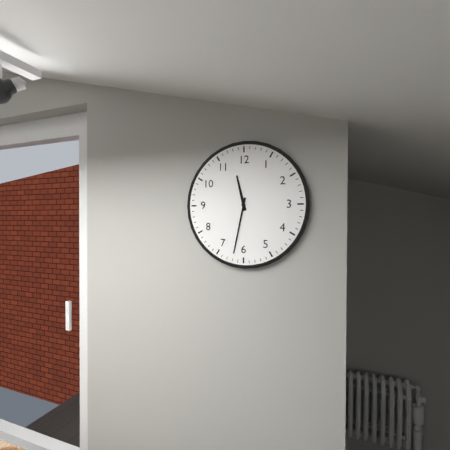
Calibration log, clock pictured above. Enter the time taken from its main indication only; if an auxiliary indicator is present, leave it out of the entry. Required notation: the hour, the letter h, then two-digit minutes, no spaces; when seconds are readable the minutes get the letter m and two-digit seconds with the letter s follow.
11h32
